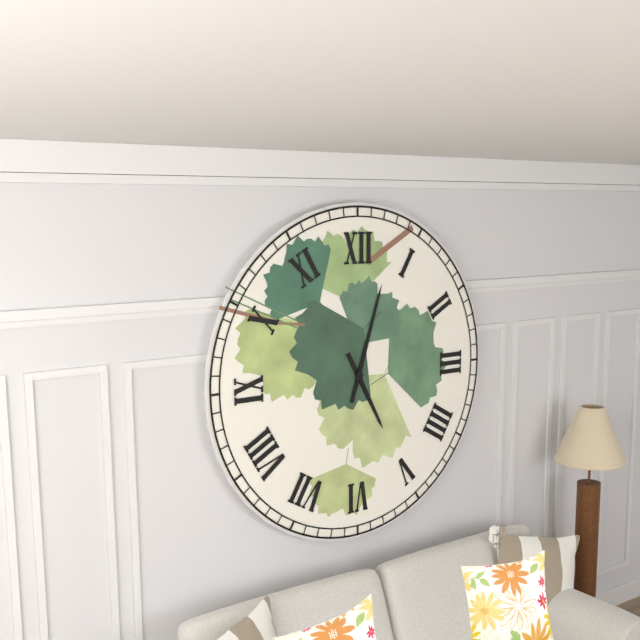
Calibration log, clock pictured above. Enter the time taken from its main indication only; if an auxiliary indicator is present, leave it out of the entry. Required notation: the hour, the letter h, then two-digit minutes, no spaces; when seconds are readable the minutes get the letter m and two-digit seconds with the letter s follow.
5h03
